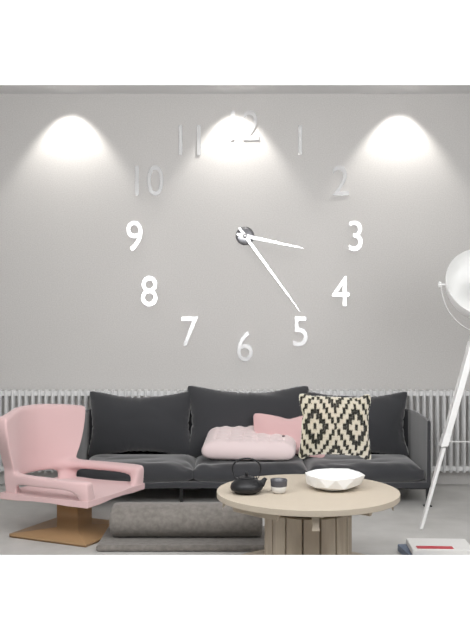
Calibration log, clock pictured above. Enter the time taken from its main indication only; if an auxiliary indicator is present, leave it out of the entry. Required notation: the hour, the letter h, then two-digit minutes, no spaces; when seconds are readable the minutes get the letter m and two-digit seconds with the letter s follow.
3h24
